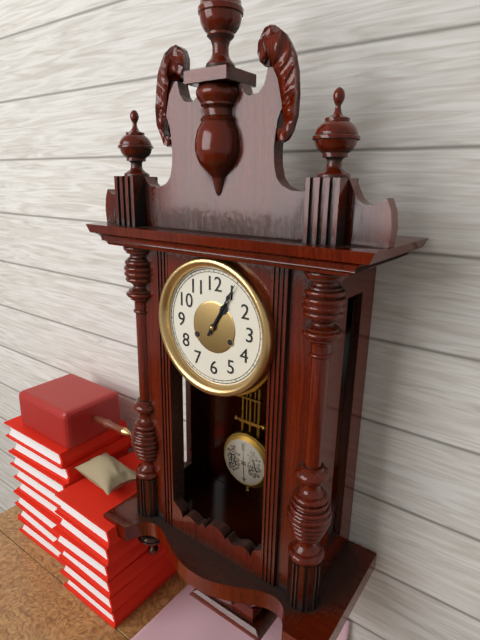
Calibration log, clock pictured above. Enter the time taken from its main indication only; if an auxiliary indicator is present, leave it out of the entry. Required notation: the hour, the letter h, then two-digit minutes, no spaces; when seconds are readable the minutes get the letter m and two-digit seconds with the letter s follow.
1h05
